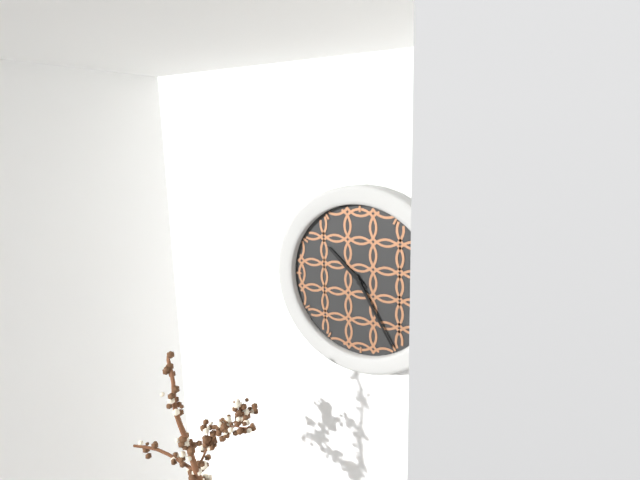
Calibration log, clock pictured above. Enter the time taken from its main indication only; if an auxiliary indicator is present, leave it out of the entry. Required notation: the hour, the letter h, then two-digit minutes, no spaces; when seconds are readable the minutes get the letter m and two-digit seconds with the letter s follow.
10h25
